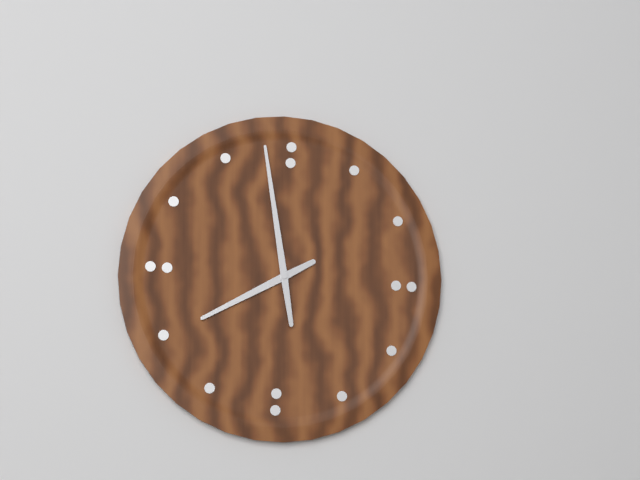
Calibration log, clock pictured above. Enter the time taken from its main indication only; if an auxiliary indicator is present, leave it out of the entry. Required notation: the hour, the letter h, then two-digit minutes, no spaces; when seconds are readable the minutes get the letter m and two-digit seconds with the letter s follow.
7h58
